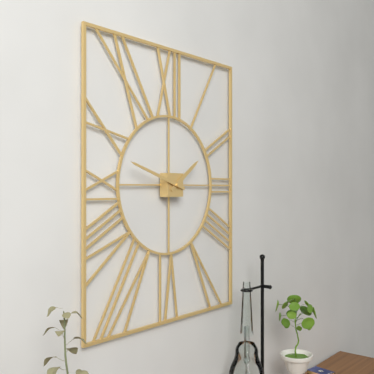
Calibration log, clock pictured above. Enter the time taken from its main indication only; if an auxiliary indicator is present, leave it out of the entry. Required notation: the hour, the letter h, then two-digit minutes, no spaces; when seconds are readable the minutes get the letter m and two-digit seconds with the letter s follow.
1h48
